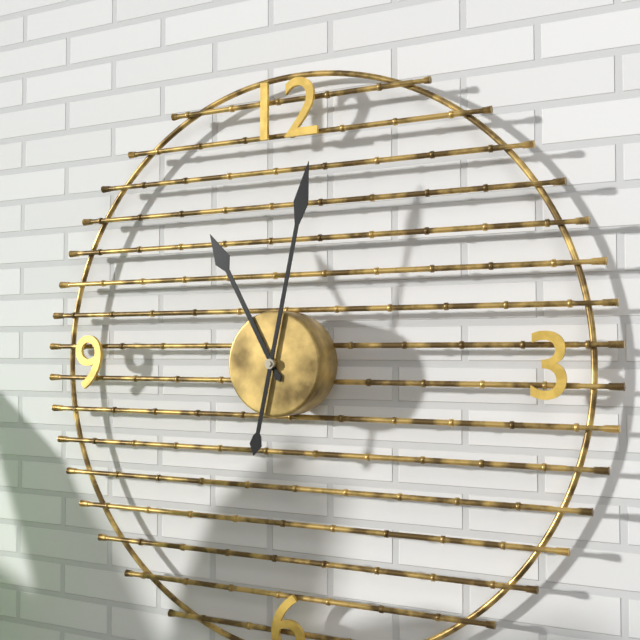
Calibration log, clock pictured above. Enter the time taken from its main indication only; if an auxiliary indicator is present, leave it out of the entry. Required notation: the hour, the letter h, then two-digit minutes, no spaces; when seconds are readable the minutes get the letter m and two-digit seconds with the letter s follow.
11h02
